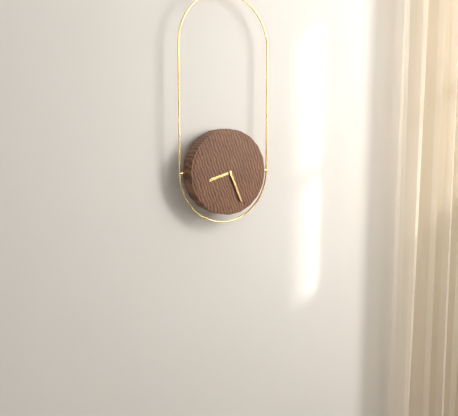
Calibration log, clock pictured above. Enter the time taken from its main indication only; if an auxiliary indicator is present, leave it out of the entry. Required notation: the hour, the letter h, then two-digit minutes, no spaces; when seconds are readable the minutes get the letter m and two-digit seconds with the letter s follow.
8h26
